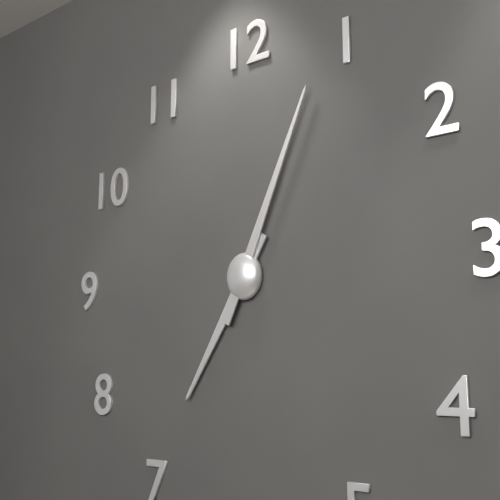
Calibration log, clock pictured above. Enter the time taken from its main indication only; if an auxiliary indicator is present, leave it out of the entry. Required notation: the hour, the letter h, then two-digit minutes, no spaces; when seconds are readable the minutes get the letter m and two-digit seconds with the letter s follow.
7h04
